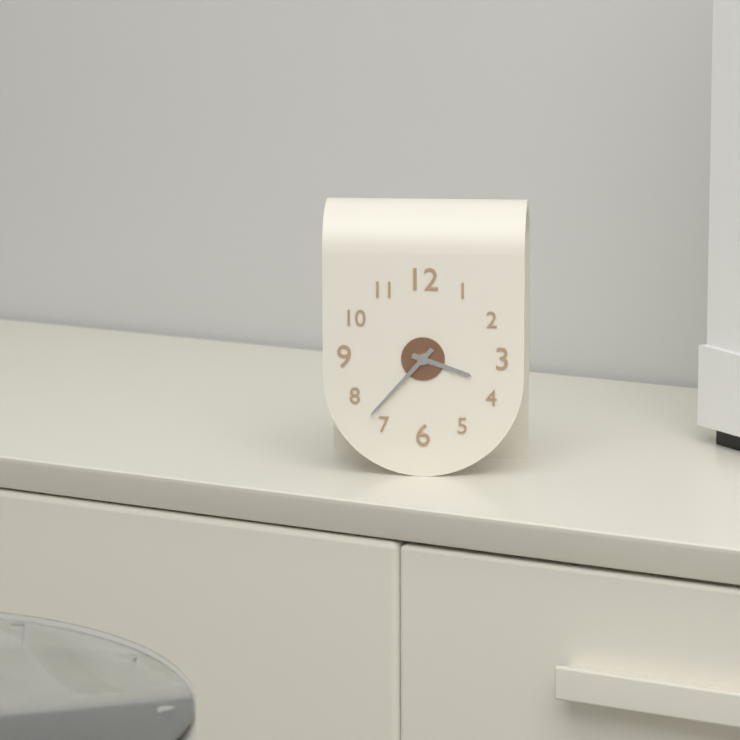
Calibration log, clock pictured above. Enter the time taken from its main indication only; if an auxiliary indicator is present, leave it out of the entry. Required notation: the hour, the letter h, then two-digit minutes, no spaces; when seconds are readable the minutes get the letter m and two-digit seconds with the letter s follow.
3h37
